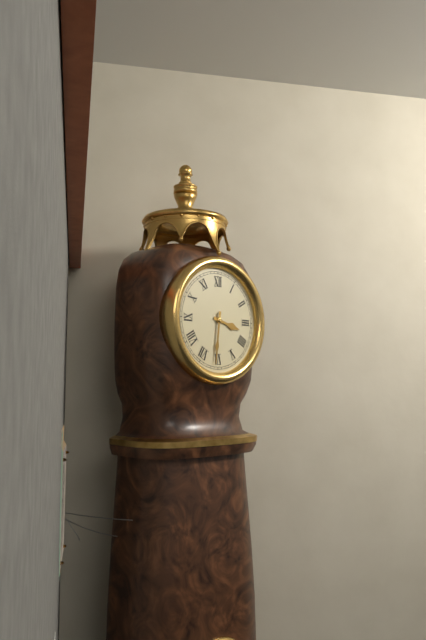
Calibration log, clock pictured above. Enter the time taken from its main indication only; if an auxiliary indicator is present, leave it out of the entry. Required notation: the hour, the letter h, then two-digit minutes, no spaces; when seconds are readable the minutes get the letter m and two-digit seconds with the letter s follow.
3h31
